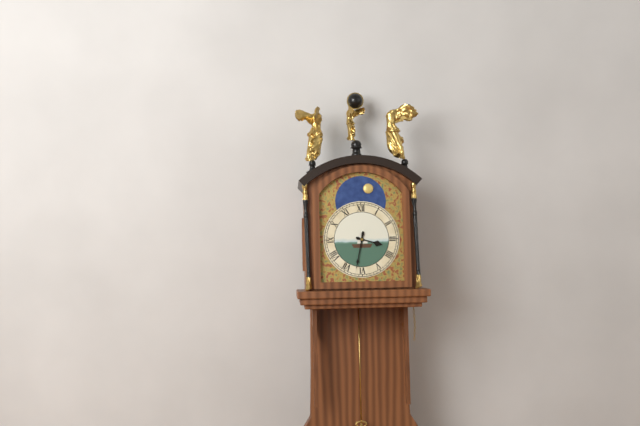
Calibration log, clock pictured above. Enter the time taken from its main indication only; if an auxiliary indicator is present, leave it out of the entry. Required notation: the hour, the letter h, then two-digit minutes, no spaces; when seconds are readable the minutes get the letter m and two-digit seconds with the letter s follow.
3h32
